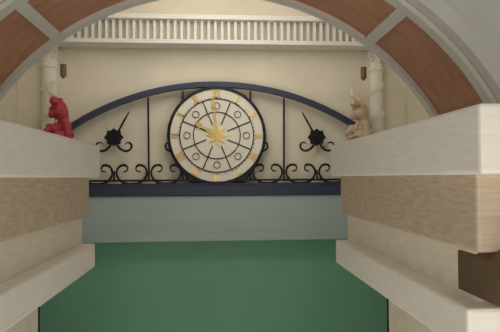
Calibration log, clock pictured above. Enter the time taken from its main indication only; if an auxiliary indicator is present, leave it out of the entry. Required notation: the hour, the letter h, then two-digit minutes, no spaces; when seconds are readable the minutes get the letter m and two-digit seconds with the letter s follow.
9h59
